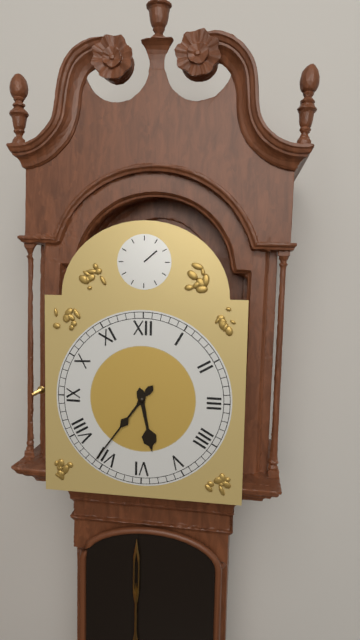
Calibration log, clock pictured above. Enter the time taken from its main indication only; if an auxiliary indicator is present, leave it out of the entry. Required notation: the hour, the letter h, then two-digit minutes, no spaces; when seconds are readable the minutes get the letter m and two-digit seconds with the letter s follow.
5h36
